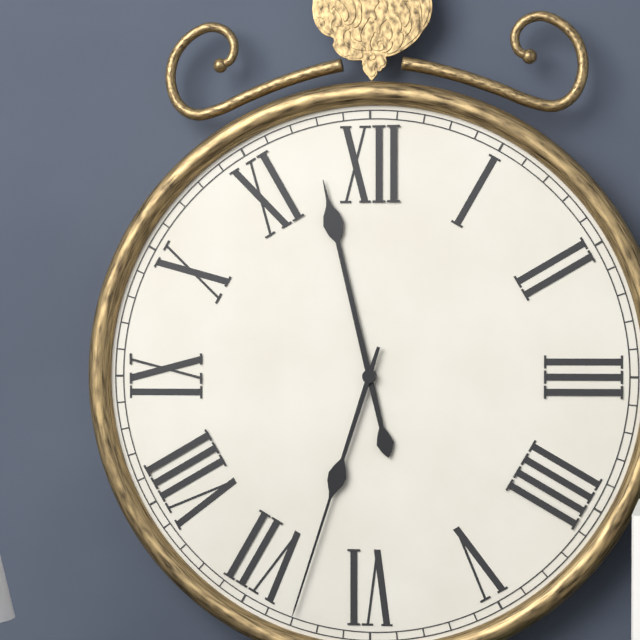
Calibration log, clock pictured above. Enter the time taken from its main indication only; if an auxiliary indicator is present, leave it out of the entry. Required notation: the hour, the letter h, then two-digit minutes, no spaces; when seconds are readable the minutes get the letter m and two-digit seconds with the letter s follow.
11h33
